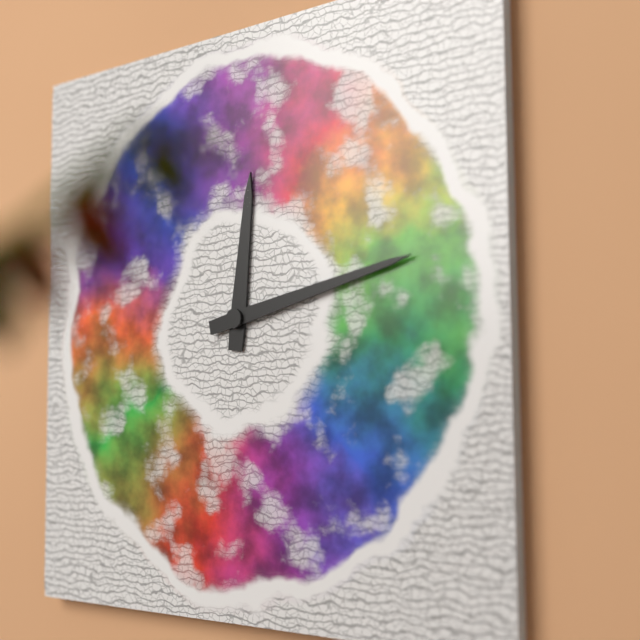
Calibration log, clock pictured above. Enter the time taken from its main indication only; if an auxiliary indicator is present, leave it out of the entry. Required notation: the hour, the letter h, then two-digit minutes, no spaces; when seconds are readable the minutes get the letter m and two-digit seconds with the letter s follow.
12h13
